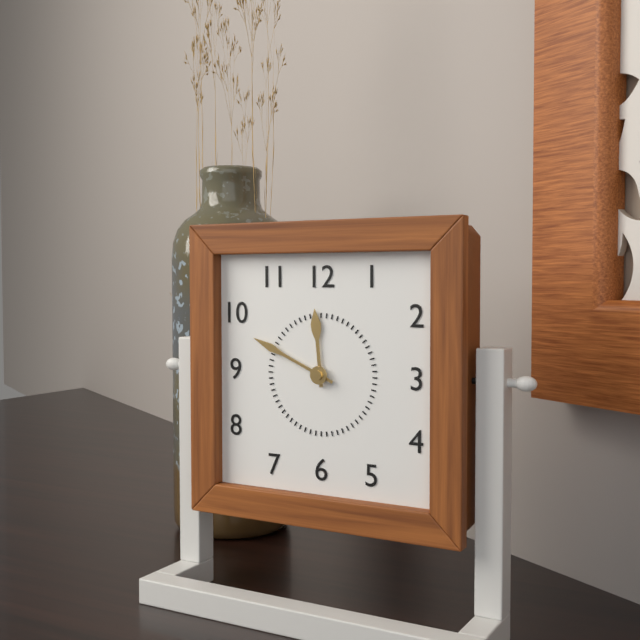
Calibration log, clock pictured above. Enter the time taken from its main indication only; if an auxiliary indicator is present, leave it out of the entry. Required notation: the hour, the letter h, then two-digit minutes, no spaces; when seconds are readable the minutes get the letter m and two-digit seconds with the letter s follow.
11h49
